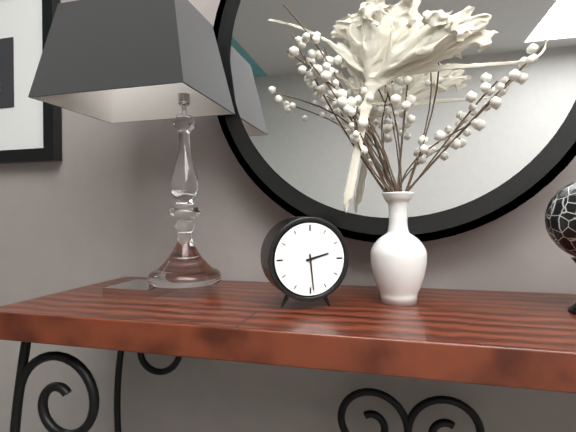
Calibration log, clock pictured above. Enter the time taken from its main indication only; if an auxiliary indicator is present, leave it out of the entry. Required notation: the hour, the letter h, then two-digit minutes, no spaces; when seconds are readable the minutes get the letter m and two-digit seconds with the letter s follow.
2h29
